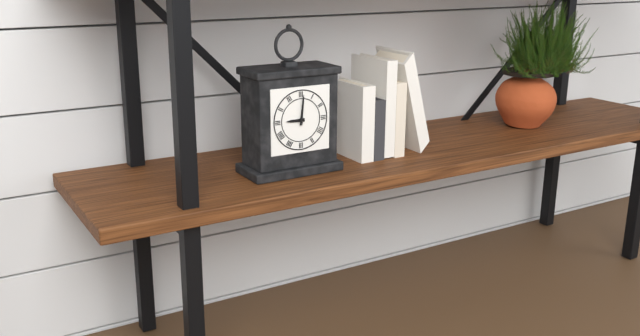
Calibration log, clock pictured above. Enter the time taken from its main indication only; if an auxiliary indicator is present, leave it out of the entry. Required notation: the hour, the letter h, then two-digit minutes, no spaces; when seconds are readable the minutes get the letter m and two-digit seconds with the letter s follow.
9h01
